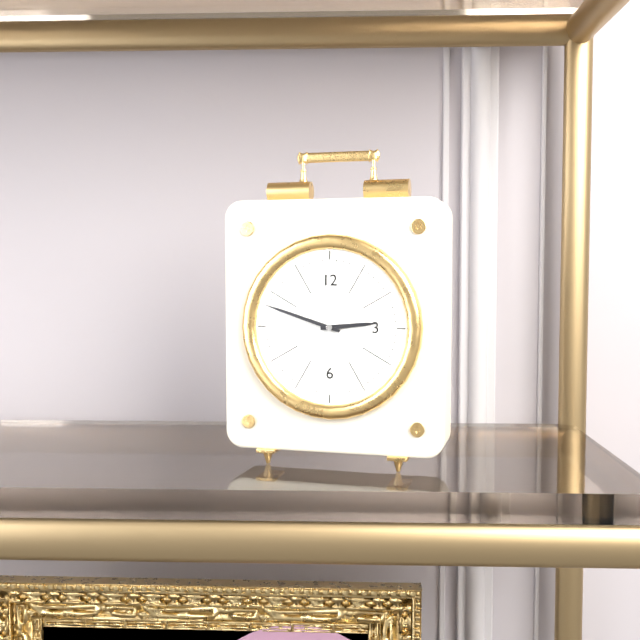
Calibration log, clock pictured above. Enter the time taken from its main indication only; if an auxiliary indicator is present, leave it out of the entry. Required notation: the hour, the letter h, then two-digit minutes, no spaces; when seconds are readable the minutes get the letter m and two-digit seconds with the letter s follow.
2h48
